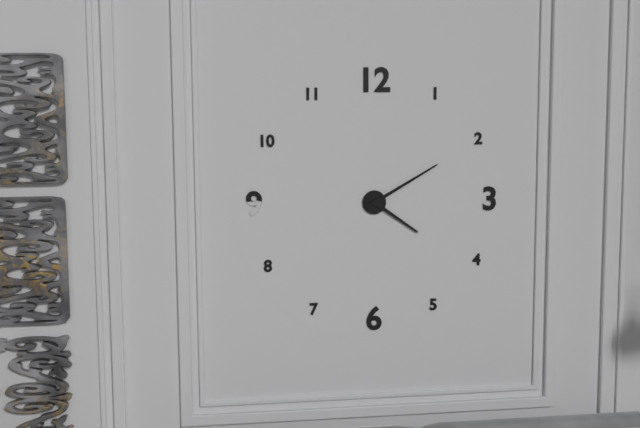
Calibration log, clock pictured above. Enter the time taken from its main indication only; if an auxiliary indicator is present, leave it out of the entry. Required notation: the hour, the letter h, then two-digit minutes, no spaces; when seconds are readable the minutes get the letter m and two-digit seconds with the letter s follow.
4h10
